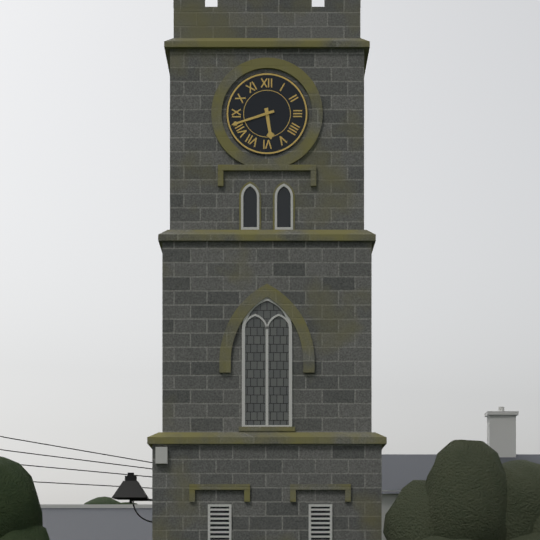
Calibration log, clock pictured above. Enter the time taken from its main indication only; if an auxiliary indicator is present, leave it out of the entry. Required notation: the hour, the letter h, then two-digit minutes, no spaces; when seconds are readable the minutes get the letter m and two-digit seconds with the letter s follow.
5h42
